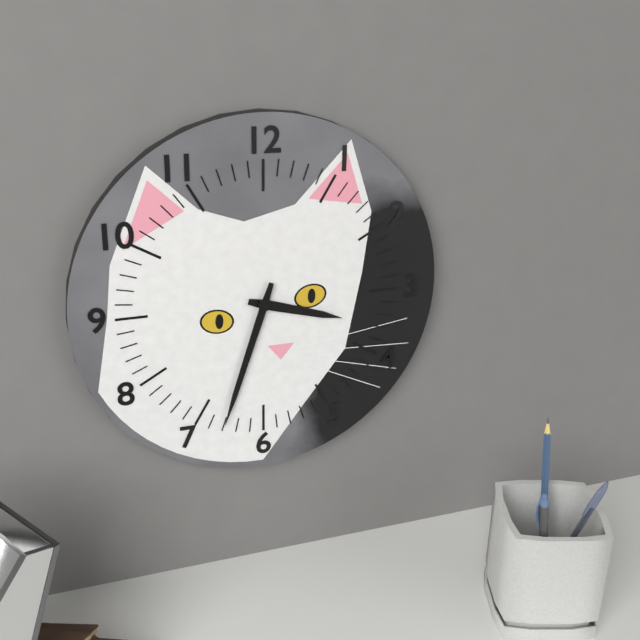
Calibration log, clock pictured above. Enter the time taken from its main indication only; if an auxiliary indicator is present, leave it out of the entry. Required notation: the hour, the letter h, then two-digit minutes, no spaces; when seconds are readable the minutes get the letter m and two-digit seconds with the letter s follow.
3h33
